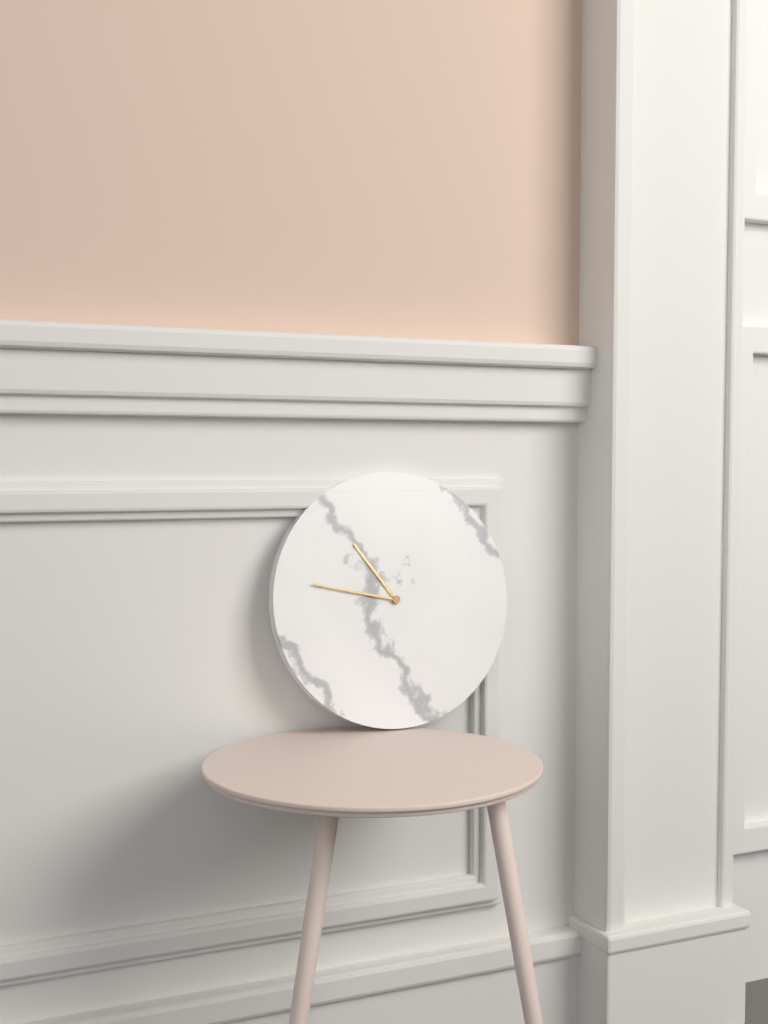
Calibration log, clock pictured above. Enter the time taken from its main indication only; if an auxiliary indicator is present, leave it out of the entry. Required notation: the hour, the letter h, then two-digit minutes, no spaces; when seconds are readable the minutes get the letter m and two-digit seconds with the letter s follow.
10h47
